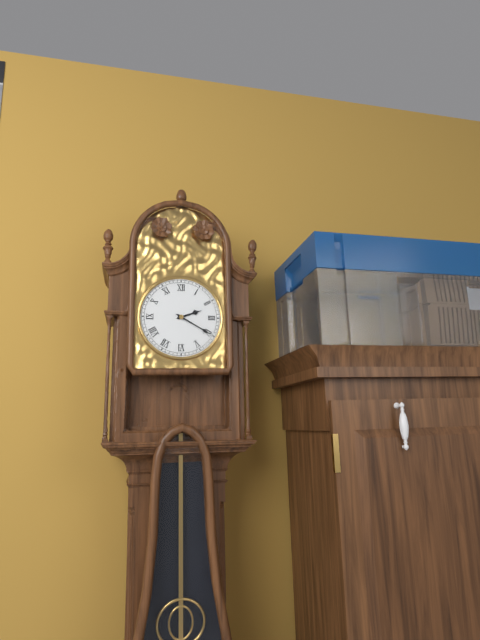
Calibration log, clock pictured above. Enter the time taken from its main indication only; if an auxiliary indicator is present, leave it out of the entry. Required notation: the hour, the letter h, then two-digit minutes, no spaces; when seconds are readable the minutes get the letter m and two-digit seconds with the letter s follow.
2h20
